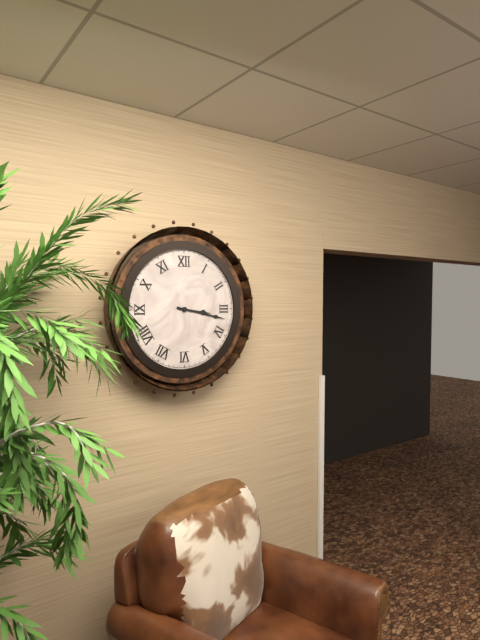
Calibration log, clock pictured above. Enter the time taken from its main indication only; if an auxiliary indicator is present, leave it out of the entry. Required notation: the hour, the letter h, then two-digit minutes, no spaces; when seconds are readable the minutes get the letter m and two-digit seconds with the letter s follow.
3h17
